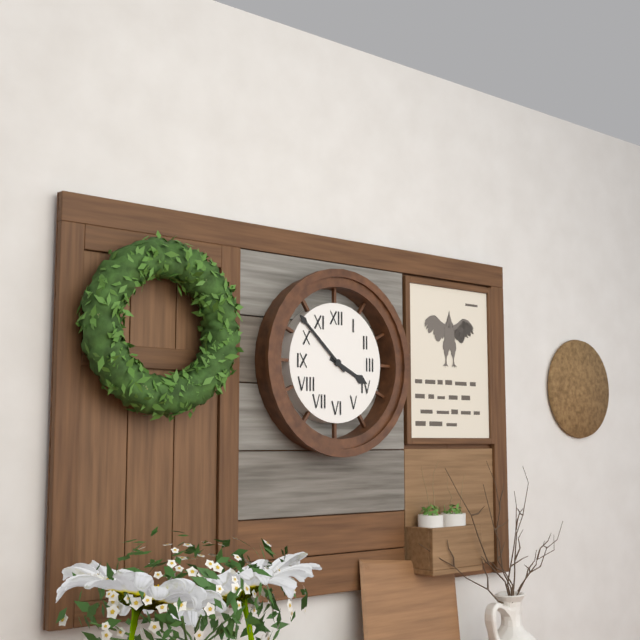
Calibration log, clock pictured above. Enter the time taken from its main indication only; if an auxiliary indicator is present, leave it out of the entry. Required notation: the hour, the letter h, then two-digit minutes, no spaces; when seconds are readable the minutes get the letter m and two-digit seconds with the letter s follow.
3h52
